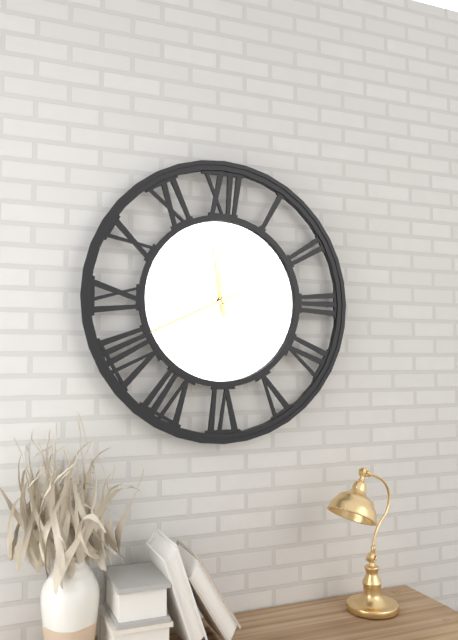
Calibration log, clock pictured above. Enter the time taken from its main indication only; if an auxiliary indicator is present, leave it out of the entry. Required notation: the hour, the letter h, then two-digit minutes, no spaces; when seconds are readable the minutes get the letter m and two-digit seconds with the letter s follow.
11h41
